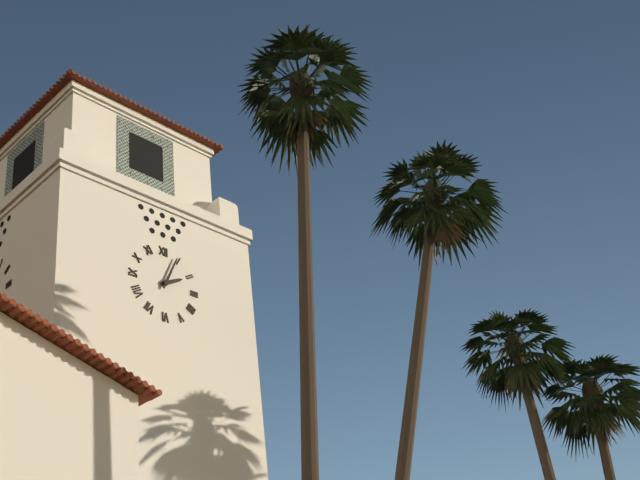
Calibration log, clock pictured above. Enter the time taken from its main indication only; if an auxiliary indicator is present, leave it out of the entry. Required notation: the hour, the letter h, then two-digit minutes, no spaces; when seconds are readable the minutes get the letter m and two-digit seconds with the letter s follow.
2h04
